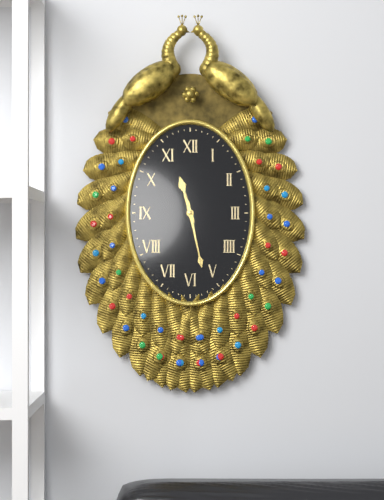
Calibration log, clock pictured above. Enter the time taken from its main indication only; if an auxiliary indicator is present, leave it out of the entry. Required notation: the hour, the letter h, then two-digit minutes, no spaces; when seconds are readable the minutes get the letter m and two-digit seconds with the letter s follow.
11h28
